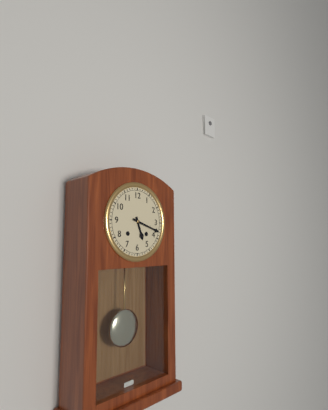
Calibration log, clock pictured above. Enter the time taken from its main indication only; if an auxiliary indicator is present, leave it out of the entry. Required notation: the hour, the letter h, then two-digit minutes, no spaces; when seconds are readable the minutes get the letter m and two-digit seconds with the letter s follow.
5h18
